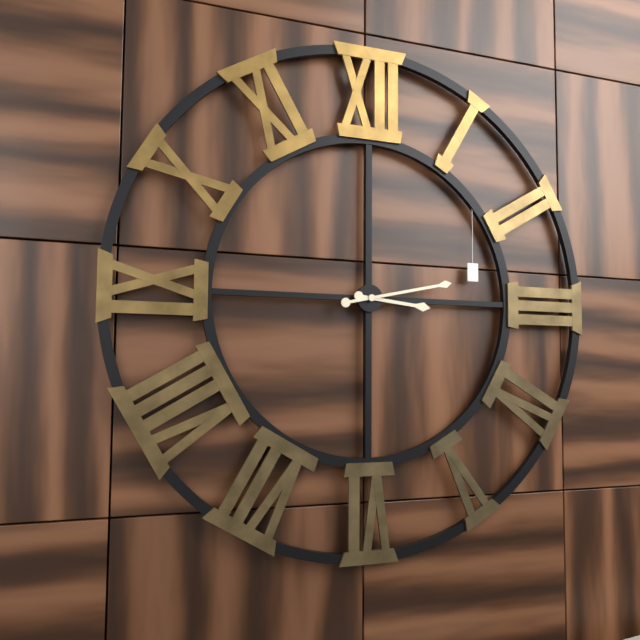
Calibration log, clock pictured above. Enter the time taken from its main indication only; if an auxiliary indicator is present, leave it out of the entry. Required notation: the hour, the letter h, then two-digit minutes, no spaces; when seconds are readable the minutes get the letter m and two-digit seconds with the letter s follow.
3h13
